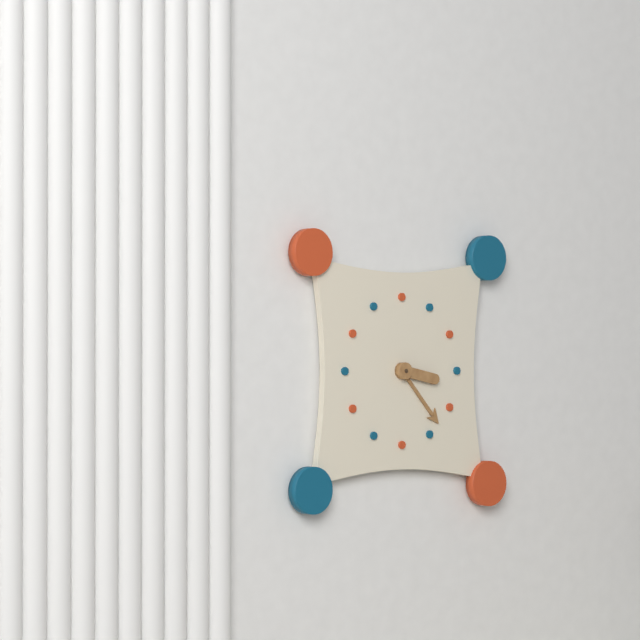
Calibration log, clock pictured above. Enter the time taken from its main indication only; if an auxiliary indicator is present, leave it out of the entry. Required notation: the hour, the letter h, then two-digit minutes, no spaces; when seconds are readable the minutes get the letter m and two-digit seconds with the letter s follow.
3h23
